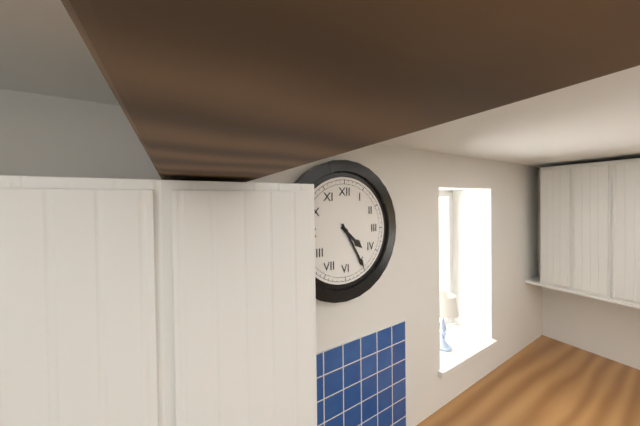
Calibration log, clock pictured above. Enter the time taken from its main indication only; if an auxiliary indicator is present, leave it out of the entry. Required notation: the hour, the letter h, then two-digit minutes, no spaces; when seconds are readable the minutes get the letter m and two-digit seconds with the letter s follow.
4h25
